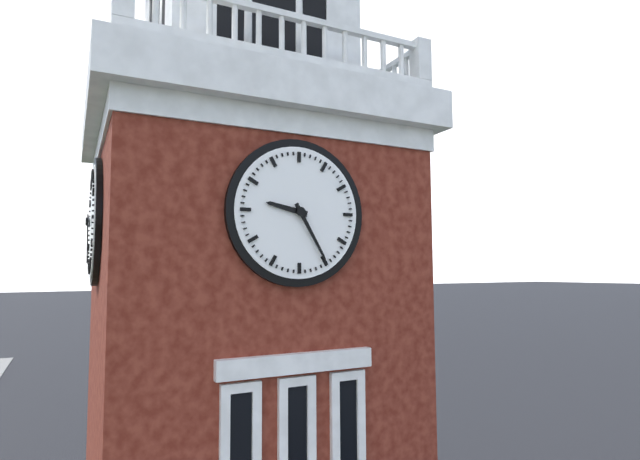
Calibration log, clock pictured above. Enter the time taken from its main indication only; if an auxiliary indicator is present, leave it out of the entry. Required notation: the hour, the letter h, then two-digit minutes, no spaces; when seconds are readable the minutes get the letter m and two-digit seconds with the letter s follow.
9h25
